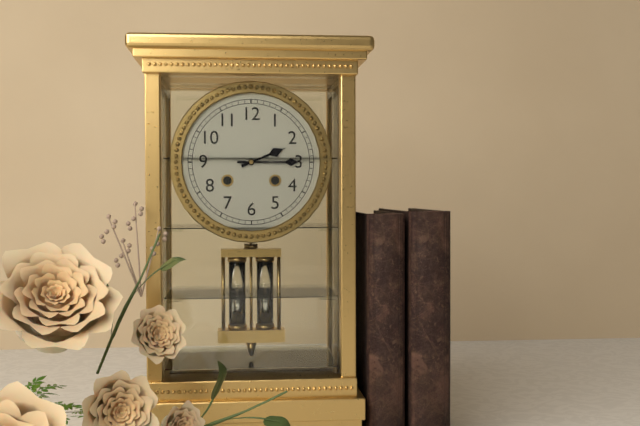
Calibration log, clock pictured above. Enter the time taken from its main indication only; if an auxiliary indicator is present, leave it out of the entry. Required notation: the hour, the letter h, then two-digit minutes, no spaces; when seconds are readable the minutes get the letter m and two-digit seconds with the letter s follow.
2h15
